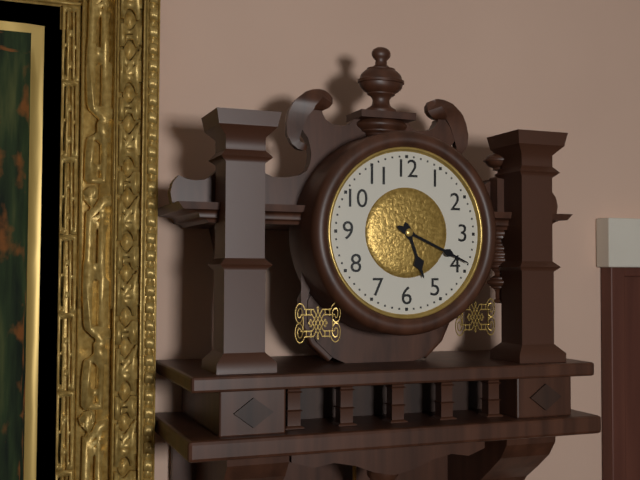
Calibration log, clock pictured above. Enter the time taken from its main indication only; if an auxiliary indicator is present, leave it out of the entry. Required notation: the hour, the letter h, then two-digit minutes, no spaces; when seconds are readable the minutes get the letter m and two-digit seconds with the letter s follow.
5h19
